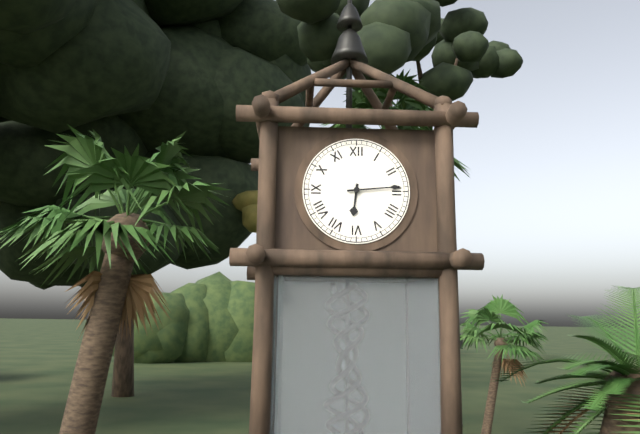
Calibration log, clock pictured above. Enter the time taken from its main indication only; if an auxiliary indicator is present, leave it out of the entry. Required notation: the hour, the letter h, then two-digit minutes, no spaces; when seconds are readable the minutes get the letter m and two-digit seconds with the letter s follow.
6h14
